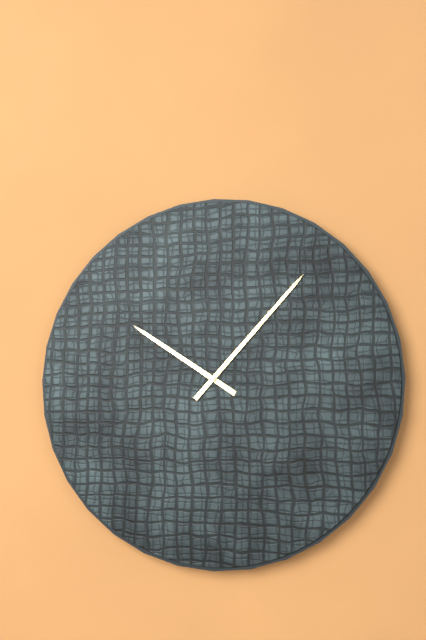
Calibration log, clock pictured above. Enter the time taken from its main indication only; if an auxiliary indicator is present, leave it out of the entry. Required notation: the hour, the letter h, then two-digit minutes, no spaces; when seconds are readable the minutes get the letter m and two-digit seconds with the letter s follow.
10h07
